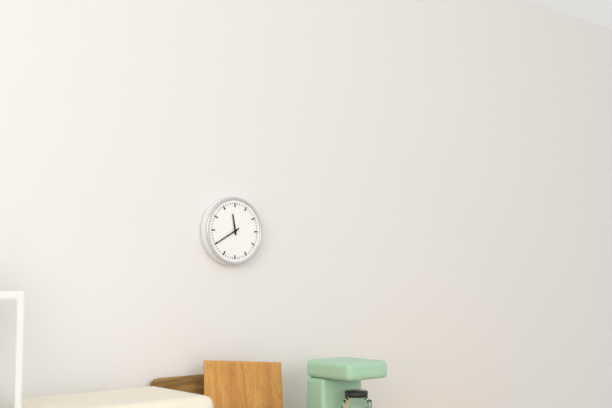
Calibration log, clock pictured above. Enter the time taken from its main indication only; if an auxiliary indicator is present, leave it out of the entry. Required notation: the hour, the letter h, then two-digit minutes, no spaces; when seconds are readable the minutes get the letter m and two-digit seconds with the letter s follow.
11h40
